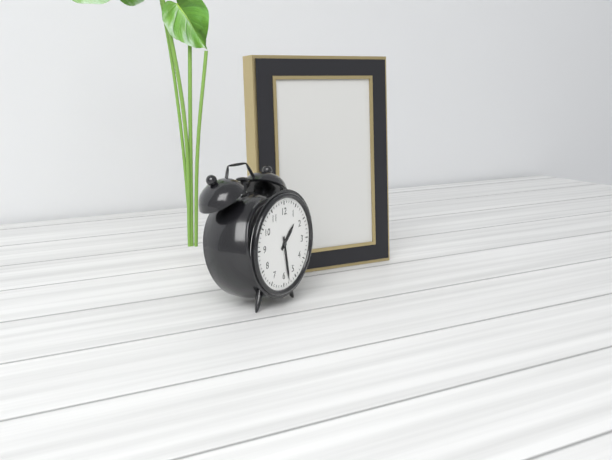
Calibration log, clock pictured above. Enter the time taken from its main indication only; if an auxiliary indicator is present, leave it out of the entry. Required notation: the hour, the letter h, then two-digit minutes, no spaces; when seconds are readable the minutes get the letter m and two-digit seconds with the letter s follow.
1h28
